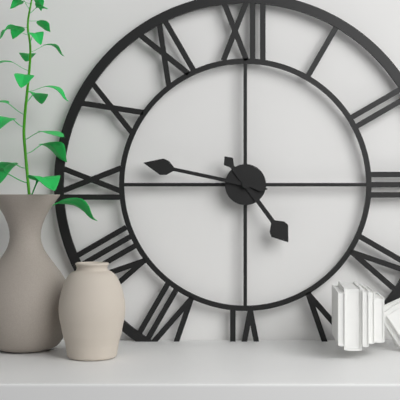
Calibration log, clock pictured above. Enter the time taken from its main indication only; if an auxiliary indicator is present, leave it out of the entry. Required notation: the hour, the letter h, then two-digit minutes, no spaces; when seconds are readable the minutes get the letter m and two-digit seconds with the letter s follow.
4h47
